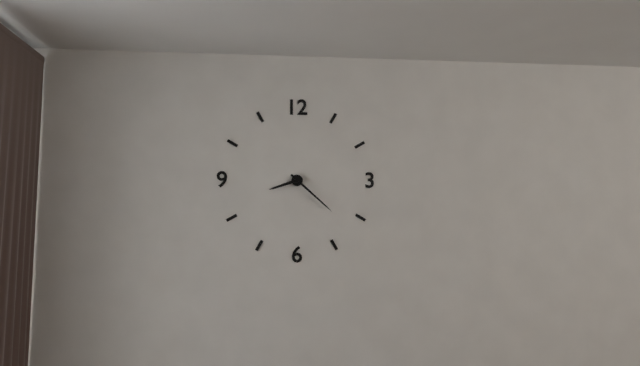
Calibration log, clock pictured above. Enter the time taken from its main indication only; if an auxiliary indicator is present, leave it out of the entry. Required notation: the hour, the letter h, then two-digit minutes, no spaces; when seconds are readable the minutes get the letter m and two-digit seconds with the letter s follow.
8h22
